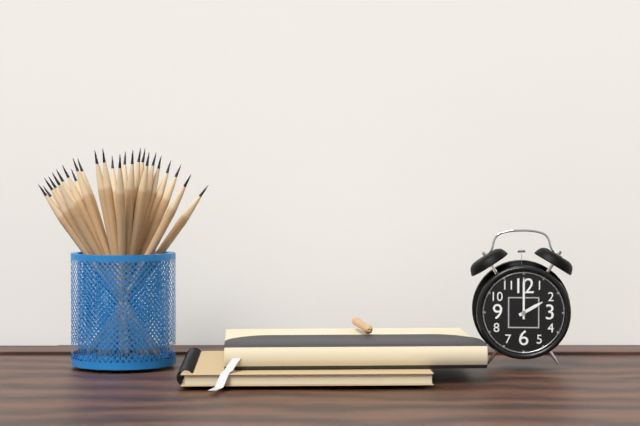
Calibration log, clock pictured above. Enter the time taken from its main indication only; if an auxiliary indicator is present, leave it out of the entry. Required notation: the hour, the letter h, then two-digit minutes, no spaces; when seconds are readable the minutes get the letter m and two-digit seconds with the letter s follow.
2h00
